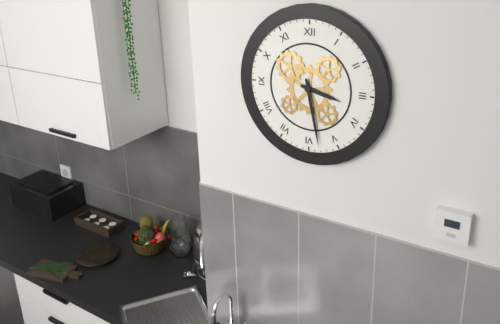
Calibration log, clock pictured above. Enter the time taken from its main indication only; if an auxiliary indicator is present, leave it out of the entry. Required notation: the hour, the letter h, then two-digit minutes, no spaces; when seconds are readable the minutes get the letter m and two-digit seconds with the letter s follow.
3h28
